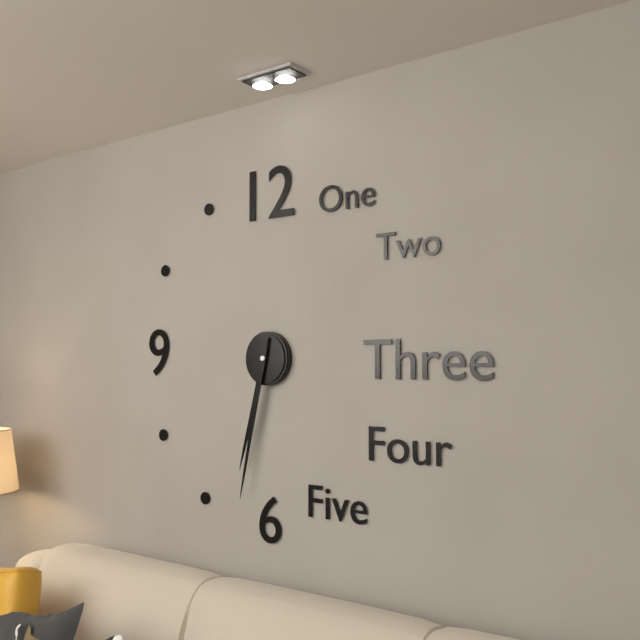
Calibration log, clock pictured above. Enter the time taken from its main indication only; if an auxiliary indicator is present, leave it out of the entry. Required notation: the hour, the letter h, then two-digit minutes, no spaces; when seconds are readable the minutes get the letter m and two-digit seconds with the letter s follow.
6h32
